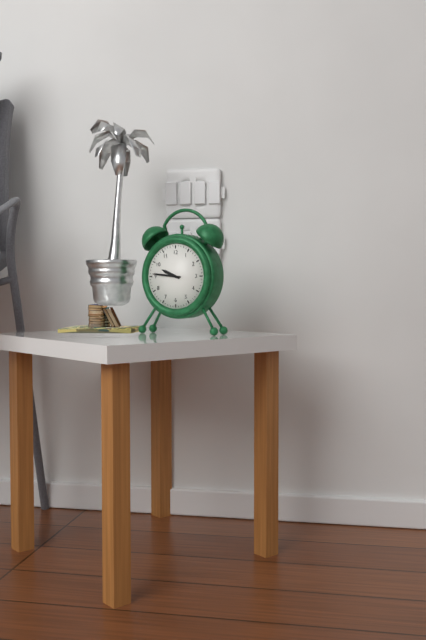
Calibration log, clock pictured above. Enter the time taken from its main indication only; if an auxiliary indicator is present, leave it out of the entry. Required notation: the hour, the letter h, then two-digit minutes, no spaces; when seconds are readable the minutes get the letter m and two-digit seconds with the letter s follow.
9h46
